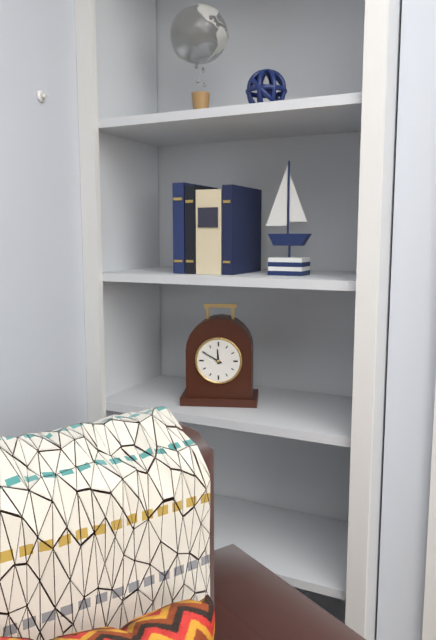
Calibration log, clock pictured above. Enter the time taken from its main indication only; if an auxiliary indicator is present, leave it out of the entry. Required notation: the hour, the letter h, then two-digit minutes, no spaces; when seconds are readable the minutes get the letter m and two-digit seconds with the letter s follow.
11h50
